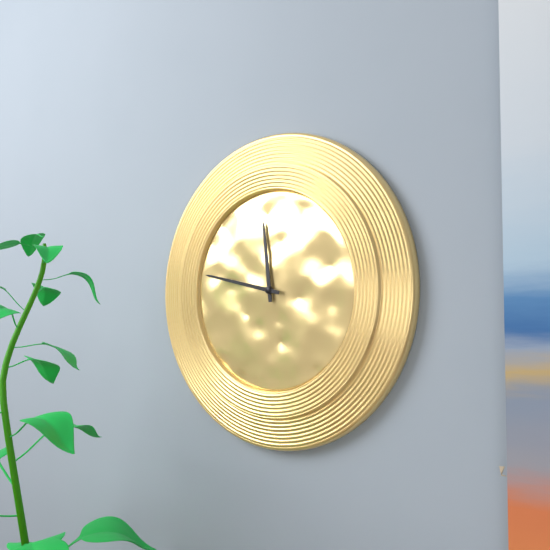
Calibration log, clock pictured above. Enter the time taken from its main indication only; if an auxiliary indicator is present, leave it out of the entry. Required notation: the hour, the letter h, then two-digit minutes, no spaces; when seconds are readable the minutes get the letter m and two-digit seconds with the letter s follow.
11h47
